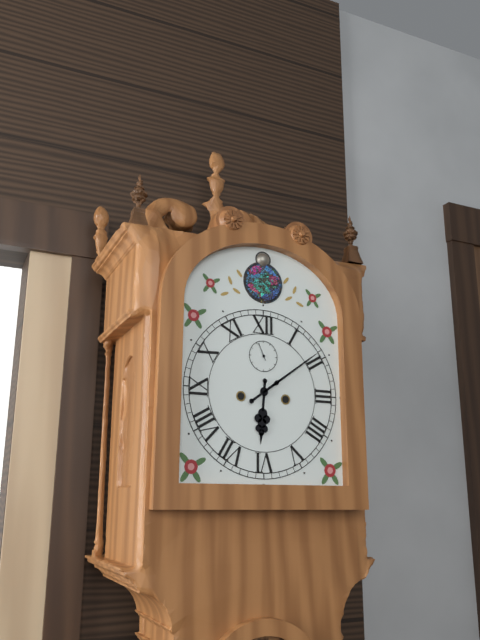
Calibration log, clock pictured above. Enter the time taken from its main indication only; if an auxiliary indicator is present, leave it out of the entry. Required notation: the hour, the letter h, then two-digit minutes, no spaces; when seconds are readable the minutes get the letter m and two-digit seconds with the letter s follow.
6h09
